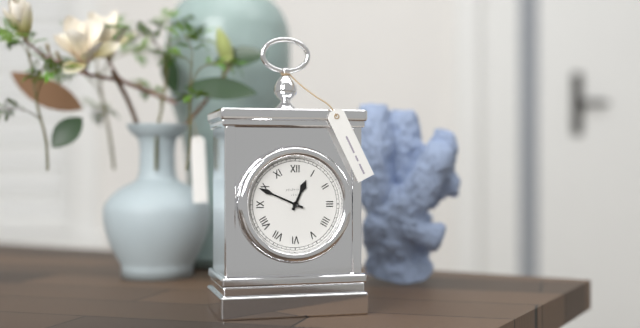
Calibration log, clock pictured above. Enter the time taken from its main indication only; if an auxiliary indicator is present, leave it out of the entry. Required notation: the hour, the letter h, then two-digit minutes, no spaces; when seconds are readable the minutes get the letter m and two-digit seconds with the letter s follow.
12h49
